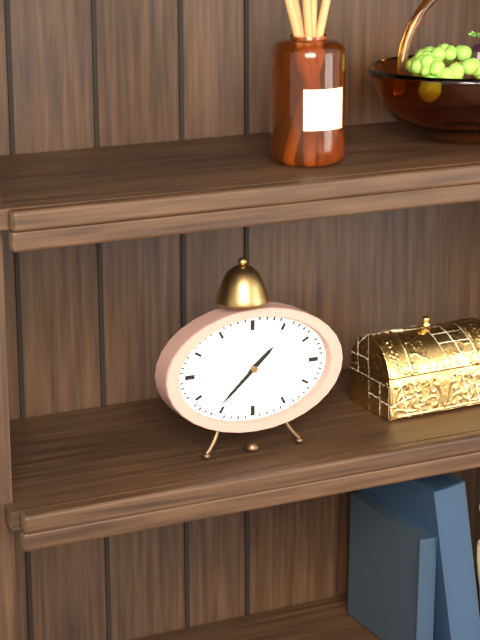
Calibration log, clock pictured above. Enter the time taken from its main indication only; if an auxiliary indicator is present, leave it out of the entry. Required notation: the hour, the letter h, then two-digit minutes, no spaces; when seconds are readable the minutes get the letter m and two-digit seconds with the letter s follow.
1h38
